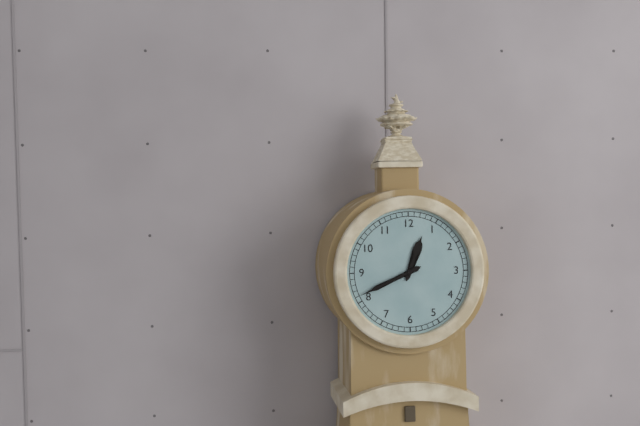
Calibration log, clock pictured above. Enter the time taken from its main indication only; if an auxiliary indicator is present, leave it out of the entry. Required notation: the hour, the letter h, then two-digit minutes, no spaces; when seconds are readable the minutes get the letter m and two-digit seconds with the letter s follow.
12h41
